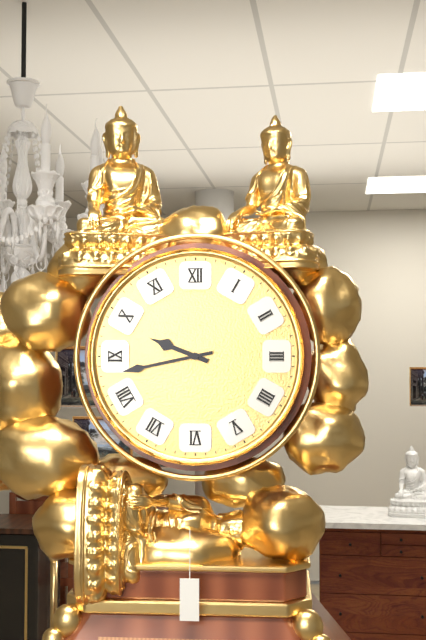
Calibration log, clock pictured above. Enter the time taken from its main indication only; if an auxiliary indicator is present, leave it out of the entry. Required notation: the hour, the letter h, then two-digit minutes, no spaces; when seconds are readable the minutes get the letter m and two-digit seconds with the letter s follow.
9h43
